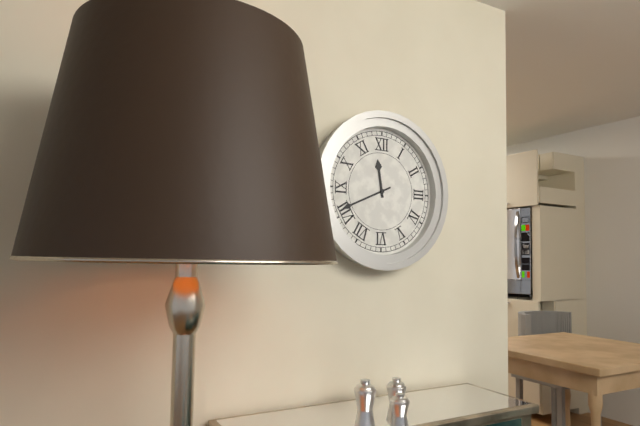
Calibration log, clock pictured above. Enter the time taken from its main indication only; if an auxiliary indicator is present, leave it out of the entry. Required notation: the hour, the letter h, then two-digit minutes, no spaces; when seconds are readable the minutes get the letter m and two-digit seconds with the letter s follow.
11h41
